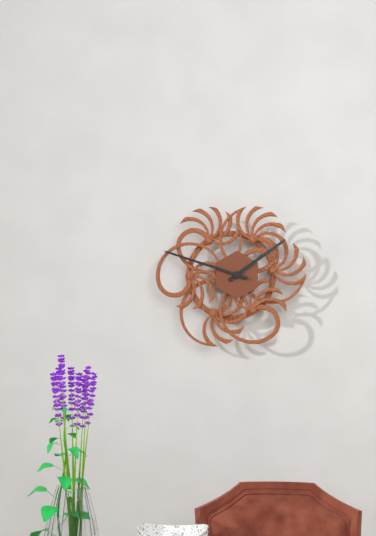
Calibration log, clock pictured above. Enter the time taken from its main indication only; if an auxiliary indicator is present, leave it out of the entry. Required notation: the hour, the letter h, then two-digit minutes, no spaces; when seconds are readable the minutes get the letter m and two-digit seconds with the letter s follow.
1h48
